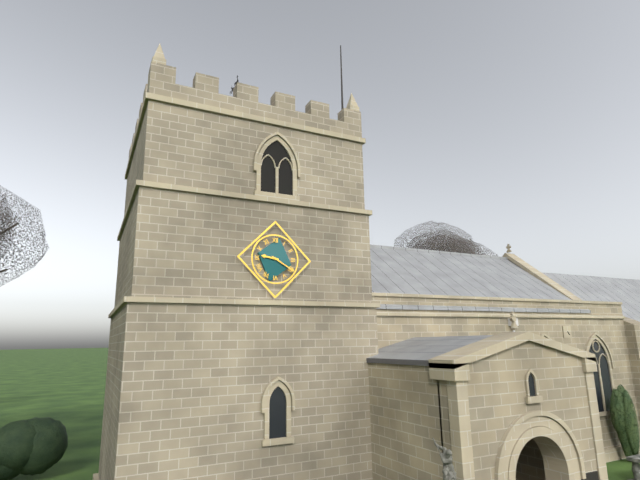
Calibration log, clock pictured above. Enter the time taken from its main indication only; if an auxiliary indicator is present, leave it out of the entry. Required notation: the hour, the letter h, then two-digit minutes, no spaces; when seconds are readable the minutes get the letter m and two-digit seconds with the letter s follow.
9h20
